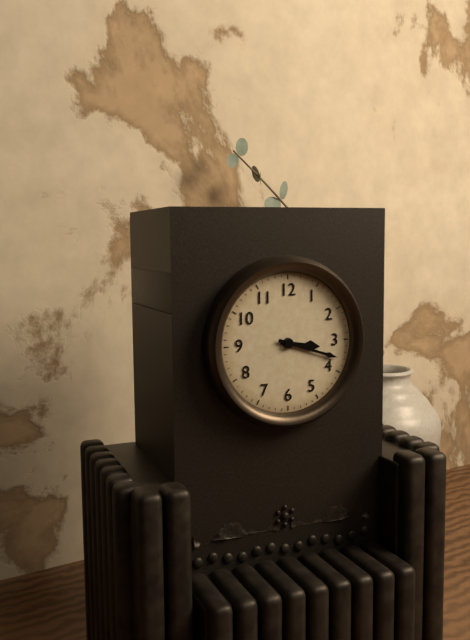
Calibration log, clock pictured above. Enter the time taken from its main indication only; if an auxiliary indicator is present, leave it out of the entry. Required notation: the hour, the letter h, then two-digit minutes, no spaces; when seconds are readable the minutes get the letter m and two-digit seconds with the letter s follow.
3h18
